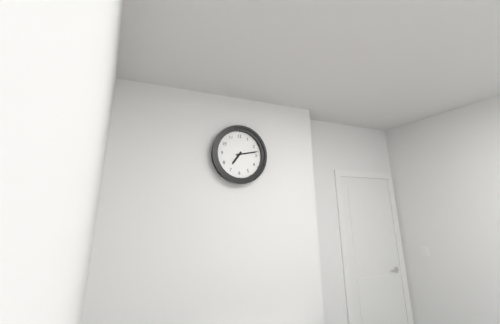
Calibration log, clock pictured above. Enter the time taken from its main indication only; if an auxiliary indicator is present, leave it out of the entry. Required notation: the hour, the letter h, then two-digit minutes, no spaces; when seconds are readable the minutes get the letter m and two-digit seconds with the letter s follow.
7h13
